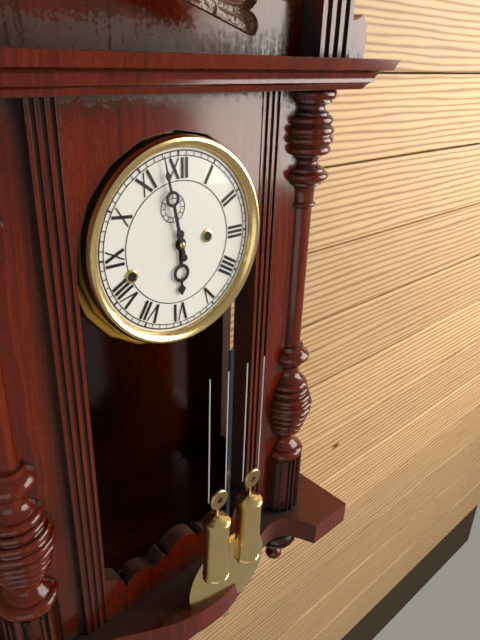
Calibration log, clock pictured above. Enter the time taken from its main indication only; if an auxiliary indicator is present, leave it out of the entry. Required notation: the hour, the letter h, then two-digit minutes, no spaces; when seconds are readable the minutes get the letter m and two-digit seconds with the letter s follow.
5h58
